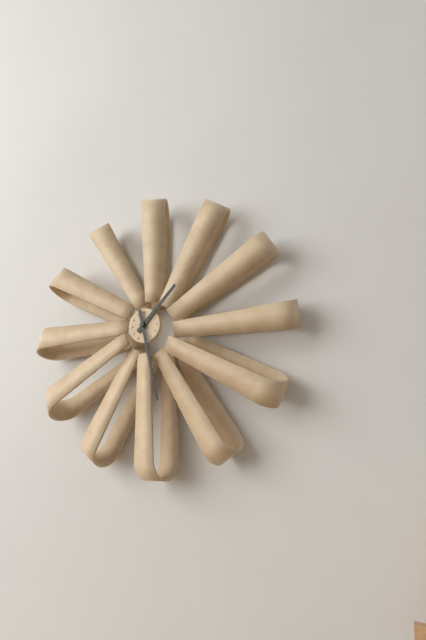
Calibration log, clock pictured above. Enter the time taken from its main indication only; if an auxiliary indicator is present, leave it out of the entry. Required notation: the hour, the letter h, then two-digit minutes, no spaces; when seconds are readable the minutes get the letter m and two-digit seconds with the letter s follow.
1h28
